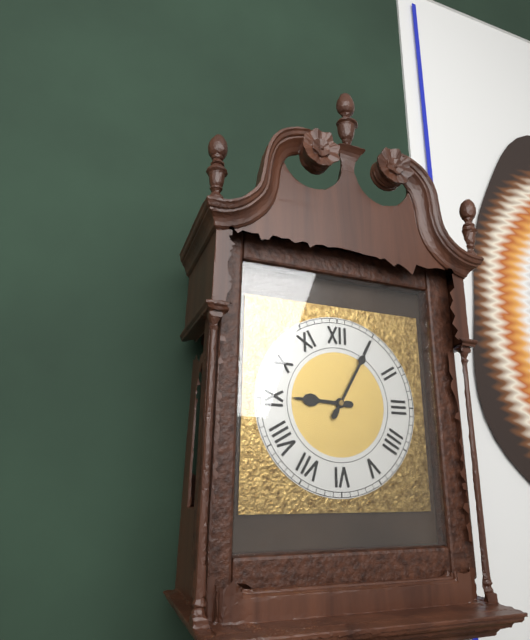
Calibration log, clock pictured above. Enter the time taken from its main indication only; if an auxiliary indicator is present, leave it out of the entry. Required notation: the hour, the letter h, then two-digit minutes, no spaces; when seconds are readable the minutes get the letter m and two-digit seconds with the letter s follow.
9h05
